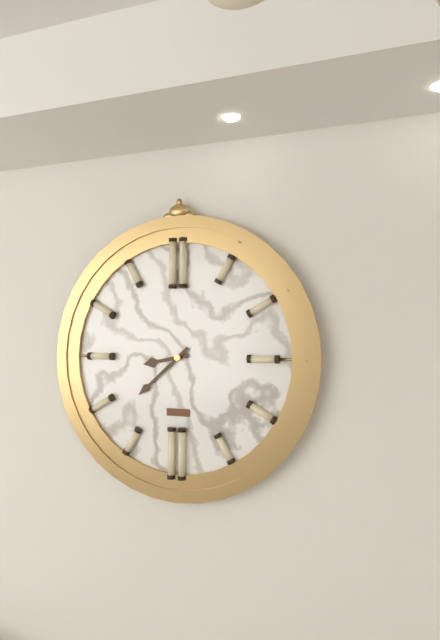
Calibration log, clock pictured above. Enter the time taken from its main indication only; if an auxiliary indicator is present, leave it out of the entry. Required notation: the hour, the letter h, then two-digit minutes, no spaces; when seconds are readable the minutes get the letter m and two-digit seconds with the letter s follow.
8h38
